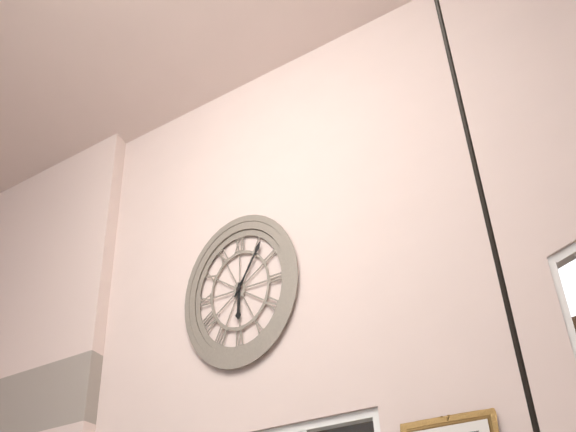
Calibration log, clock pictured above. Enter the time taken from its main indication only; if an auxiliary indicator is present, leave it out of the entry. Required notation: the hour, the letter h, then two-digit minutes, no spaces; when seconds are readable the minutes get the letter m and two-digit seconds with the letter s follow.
6h06
